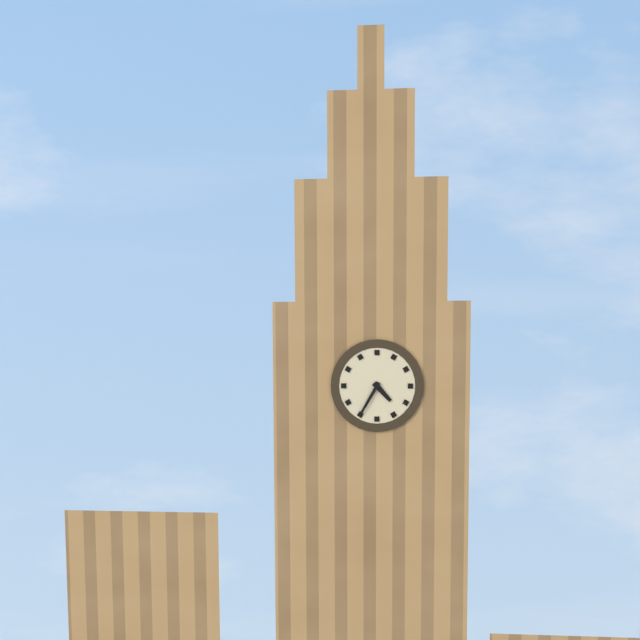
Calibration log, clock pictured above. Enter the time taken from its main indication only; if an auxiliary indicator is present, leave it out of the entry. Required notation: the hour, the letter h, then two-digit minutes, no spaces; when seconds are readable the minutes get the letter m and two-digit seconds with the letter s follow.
4h35
